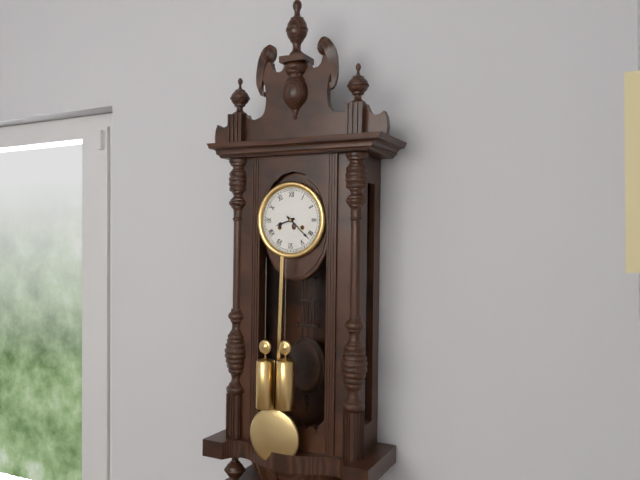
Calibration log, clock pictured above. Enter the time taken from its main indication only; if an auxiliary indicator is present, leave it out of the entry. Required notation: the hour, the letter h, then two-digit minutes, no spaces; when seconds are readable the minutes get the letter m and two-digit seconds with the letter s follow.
8h22
